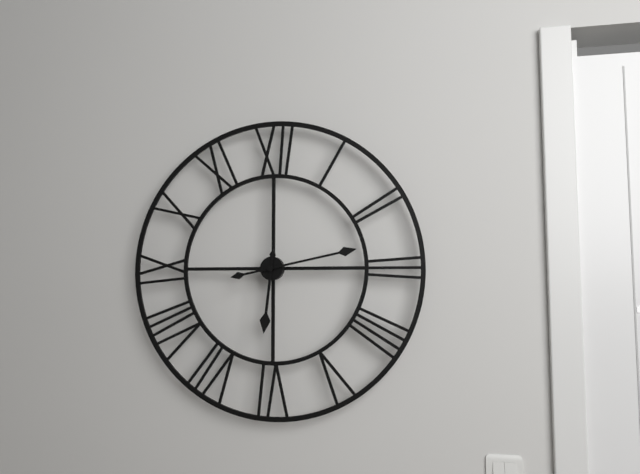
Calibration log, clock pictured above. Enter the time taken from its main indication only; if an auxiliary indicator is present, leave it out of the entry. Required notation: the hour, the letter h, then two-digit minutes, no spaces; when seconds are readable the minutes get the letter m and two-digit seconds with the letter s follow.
6h13
